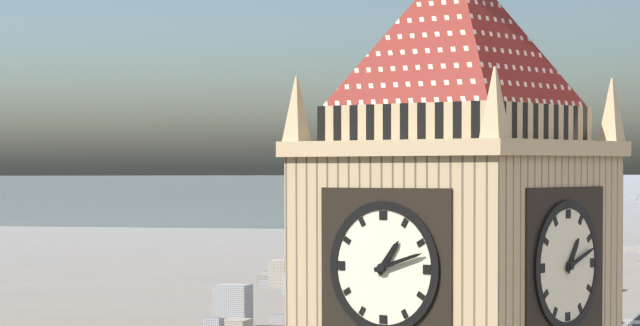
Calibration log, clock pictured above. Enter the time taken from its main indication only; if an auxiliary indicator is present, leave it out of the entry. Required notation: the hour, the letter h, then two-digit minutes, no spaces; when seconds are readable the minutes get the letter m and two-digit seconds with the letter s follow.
1h12
